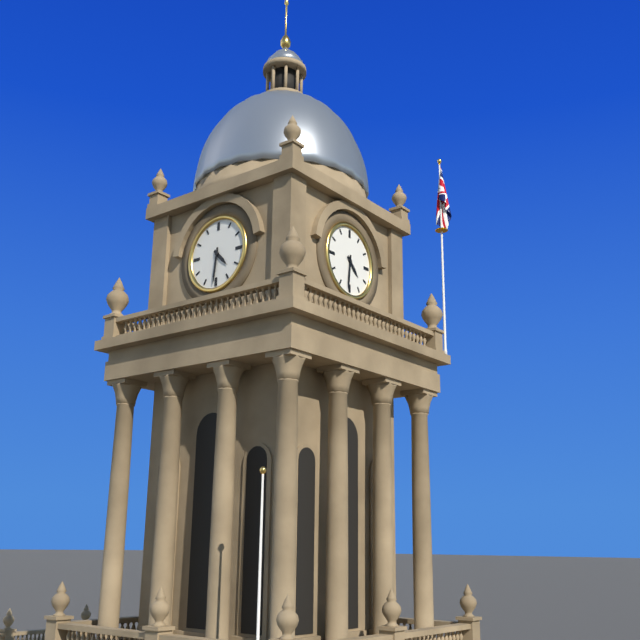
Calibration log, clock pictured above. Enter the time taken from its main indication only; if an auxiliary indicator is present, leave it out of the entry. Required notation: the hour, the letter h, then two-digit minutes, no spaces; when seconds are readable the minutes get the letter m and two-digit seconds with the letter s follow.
4h31
